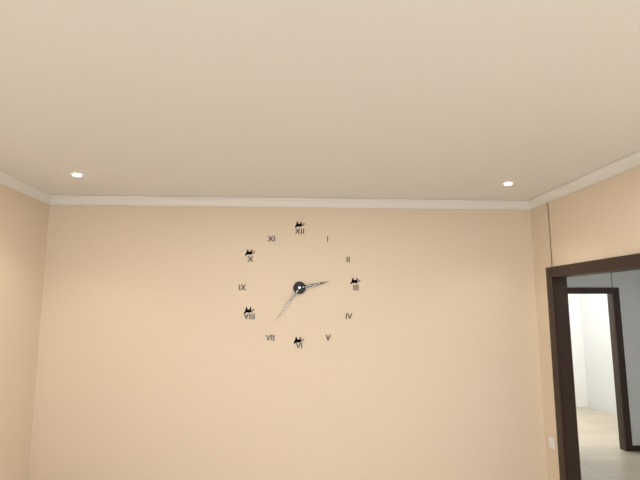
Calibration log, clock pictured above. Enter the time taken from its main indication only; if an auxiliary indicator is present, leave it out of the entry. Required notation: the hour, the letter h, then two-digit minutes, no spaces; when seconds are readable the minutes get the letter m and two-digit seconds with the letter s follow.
2h36
